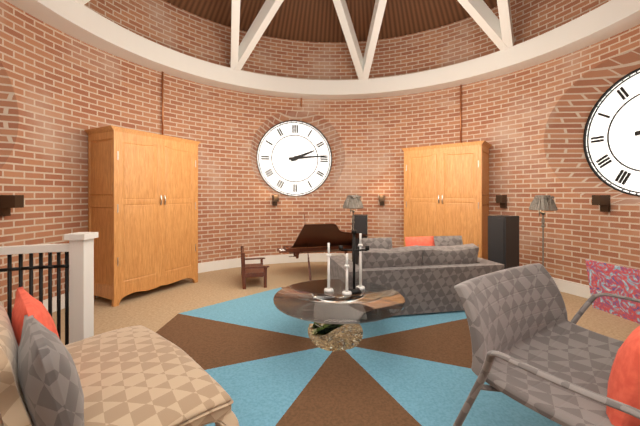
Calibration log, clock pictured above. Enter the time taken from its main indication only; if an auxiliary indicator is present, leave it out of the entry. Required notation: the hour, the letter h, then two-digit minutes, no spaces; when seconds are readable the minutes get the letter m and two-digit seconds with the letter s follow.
2h14
